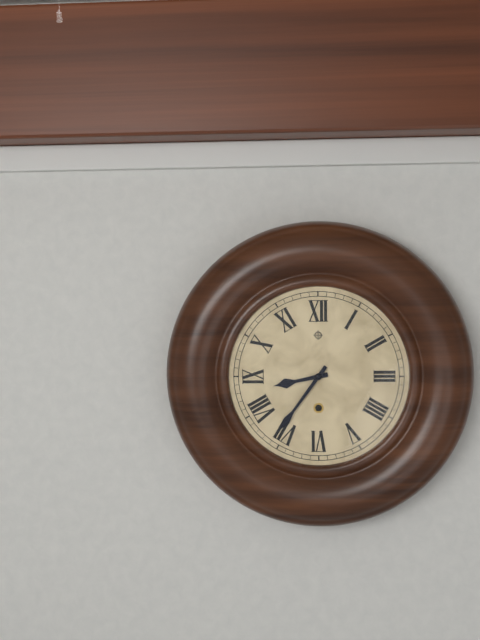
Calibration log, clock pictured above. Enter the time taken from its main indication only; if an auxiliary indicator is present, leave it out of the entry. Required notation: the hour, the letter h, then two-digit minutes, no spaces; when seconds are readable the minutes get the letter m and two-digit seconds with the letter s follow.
8h36
